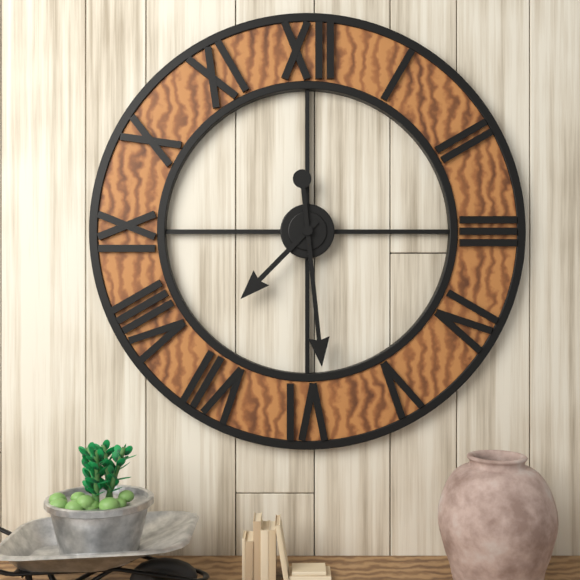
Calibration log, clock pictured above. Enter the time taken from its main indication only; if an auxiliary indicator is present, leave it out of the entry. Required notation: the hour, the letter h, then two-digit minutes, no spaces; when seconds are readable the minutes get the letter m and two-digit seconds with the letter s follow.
7h29
